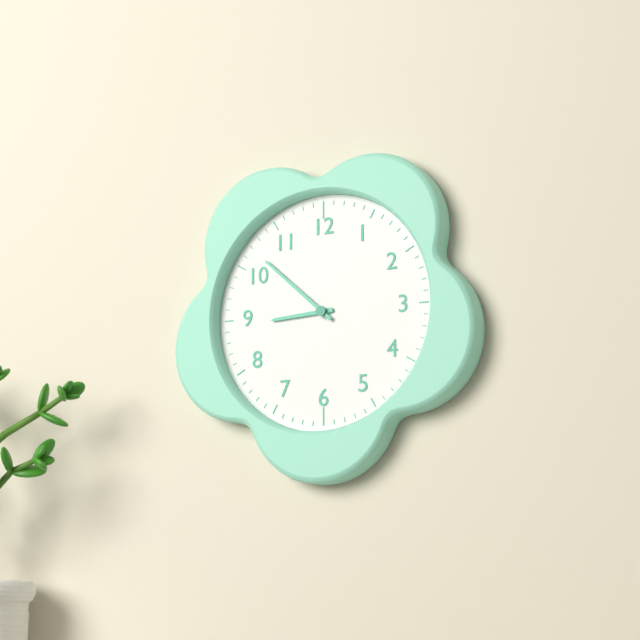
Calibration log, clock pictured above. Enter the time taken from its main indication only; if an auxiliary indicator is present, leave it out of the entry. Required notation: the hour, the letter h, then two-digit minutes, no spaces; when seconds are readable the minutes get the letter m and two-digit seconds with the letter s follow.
8h52
